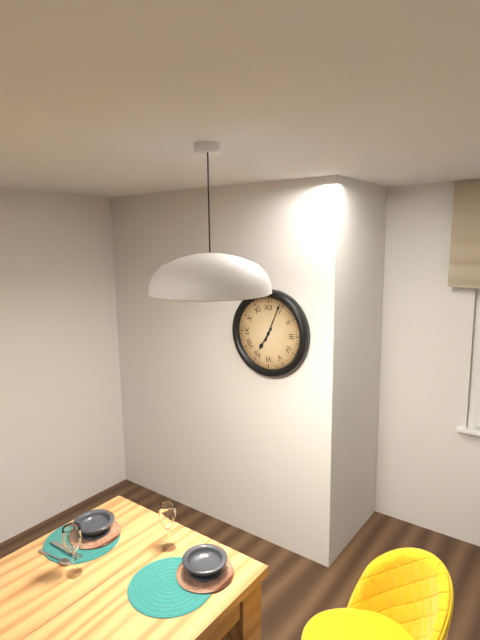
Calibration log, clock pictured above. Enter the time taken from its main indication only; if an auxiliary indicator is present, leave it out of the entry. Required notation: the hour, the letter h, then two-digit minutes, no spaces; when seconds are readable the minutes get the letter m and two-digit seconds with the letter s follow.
7h04
